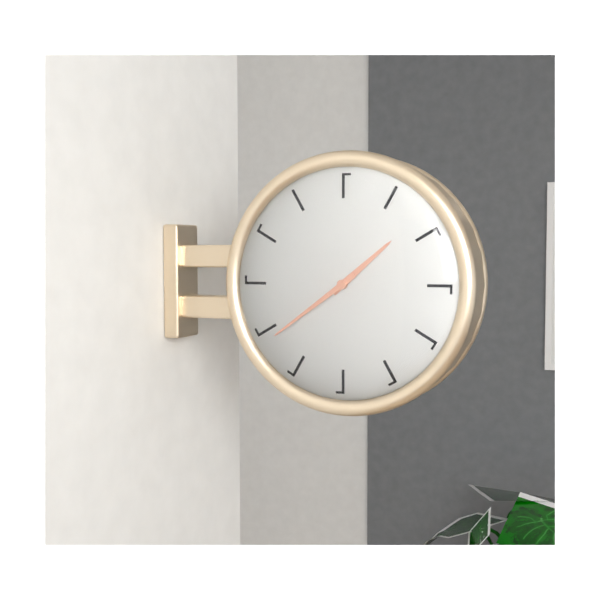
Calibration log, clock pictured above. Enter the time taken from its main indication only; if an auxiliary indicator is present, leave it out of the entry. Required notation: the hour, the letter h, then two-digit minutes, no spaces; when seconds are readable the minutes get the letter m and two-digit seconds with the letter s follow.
1h39
